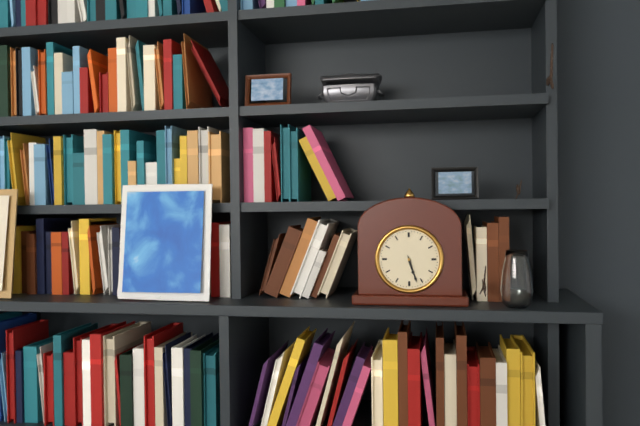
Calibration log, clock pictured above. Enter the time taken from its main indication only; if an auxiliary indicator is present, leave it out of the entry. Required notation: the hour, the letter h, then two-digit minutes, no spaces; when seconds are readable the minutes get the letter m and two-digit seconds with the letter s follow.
5h27
